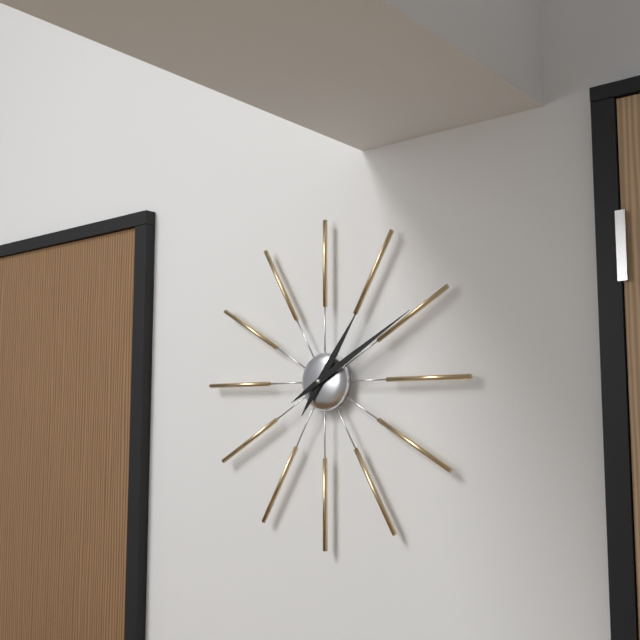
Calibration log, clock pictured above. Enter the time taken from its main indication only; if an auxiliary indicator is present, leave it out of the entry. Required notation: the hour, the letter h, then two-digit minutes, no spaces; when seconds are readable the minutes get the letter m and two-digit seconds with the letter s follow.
1h10
